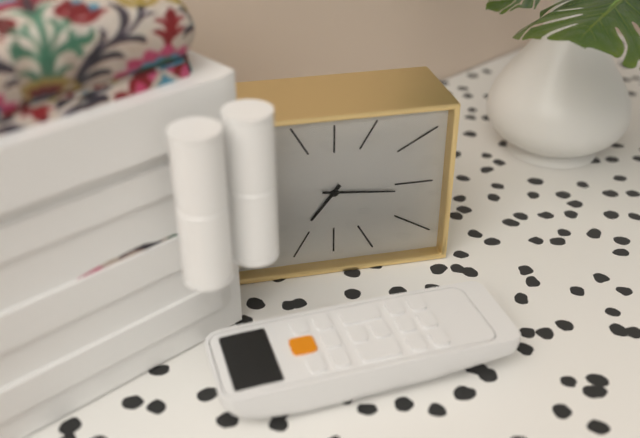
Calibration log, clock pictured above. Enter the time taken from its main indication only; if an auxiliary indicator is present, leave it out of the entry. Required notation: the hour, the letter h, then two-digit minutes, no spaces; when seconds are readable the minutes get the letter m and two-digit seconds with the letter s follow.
7h16
